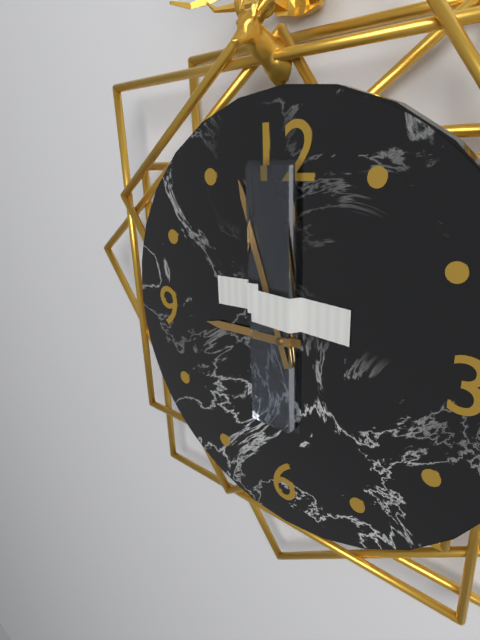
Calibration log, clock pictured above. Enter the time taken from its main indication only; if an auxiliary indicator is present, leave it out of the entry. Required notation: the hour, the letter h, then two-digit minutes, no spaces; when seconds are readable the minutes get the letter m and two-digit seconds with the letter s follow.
8h57
